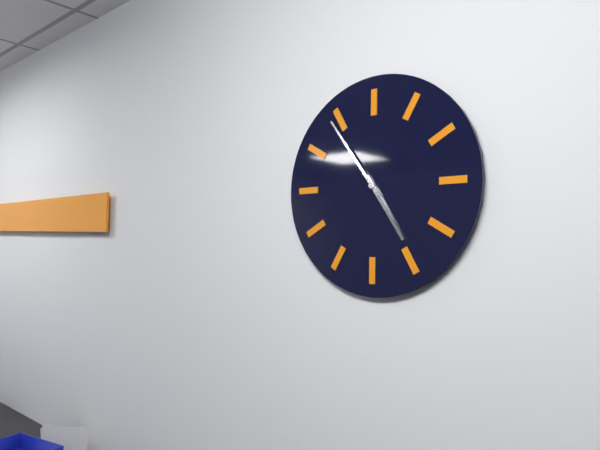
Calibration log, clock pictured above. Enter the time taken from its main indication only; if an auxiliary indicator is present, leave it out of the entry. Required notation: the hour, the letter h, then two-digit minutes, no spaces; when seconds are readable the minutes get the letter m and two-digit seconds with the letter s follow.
4h54
